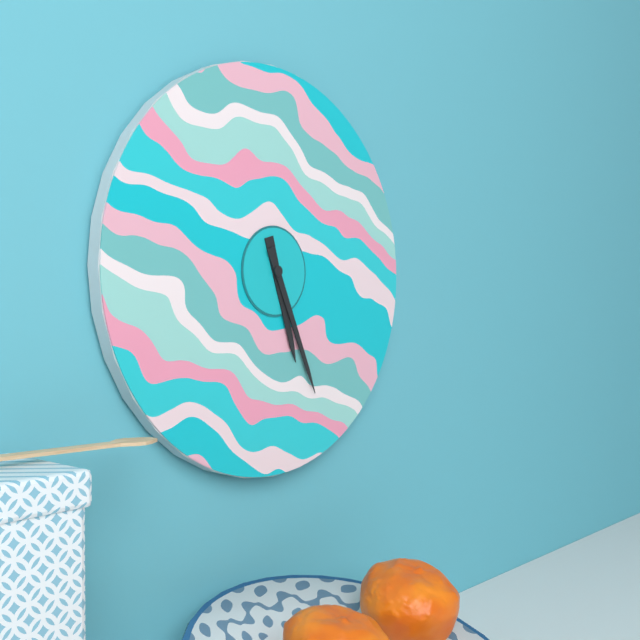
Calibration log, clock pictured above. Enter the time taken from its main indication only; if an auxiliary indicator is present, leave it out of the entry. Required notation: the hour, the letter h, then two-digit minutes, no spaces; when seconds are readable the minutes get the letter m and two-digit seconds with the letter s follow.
5h26
